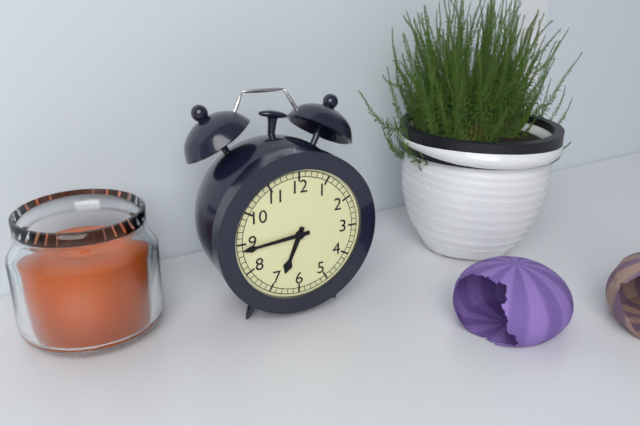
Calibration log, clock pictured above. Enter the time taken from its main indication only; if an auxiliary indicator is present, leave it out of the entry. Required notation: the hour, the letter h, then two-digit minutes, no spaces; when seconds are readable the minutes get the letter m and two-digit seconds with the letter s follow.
6h44
